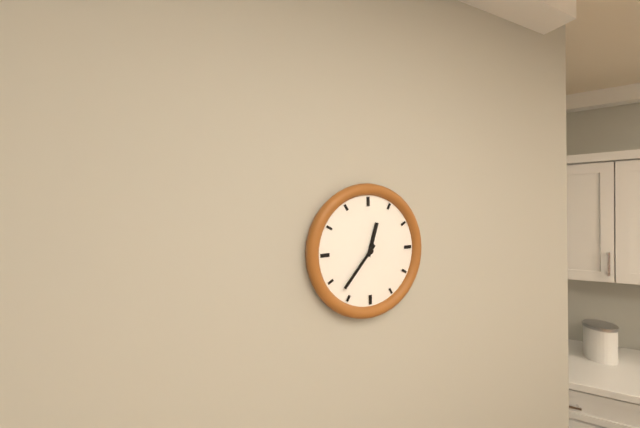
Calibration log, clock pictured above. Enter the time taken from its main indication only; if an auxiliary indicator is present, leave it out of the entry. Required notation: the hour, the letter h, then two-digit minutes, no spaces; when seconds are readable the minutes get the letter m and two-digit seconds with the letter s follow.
12h37
